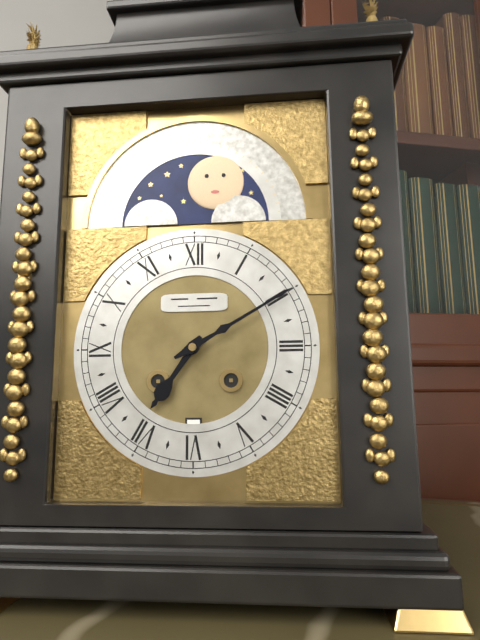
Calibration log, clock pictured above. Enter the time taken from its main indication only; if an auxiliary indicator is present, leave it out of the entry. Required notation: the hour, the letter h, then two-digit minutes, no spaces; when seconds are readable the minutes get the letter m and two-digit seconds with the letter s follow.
7h10
